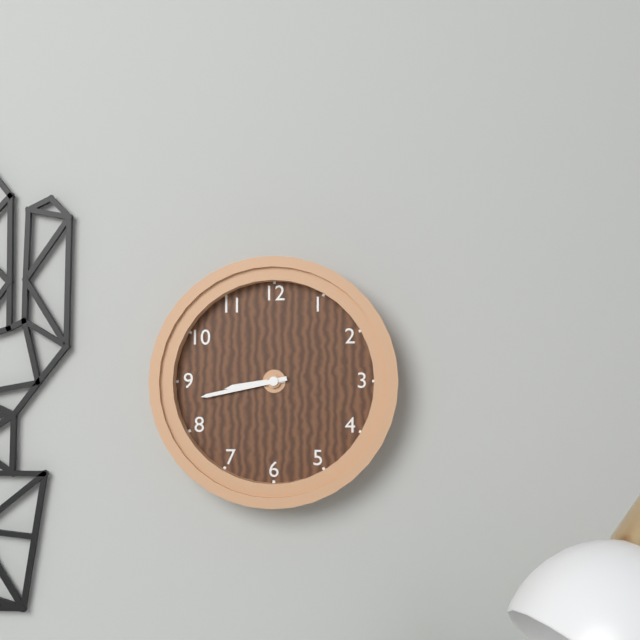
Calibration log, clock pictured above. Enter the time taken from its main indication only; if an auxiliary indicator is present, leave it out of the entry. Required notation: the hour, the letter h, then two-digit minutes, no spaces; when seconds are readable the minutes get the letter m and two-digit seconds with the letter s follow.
8h43
